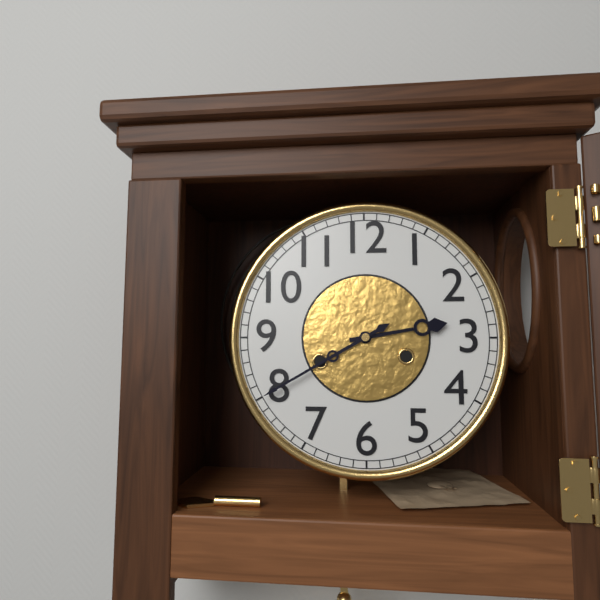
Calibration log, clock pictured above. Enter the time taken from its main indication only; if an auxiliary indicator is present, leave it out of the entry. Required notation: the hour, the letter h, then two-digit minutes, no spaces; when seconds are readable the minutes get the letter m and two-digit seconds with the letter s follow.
2h40
